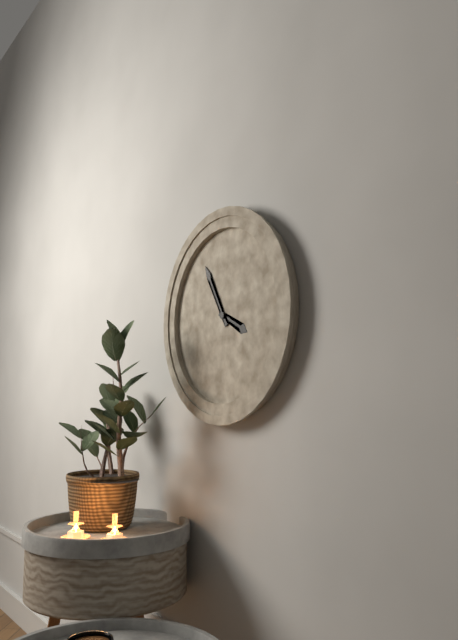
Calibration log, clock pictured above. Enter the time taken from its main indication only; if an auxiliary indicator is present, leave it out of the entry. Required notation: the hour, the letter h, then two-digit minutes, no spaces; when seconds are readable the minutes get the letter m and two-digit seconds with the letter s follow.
3h55
